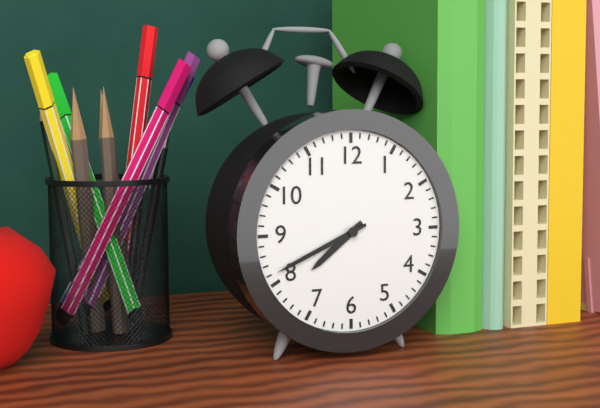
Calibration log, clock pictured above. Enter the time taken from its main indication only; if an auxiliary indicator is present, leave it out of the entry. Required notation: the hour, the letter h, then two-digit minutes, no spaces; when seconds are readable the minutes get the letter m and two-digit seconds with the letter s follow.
7h41
